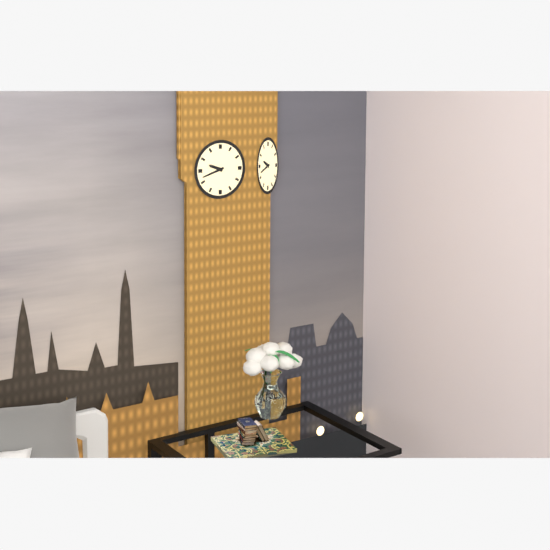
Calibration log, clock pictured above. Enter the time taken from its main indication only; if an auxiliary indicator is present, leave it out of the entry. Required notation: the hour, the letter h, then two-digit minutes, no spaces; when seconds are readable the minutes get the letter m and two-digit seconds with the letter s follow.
9h42
